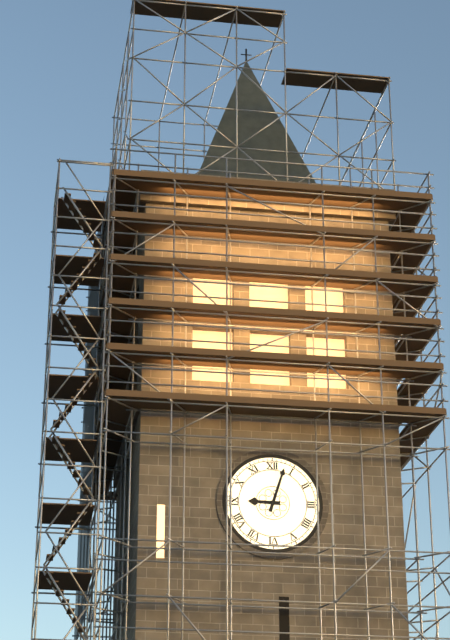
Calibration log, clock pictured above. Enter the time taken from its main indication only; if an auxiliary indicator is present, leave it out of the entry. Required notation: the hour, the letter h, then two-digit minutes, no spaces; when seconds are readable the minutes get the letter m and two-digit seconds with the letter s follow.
9h03
